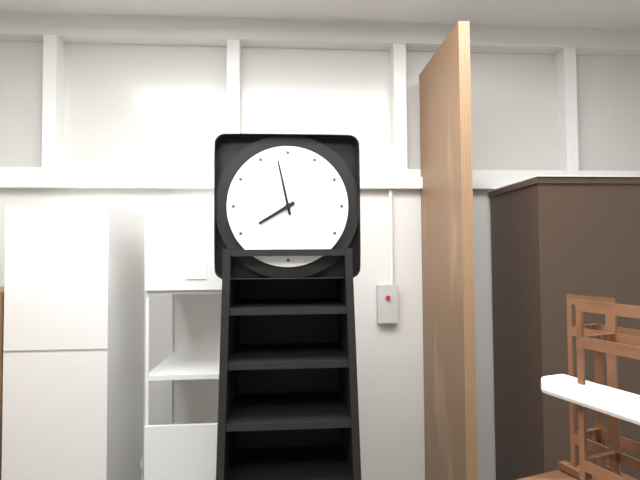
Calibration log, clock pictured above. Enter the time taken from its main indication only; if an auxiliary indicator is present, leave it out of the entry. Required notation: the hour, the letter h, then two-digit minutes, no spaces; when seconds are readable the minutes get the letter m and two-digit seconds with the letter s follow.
7h58
